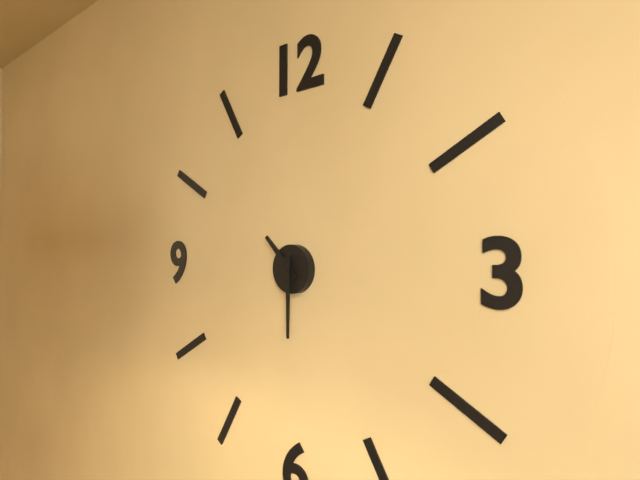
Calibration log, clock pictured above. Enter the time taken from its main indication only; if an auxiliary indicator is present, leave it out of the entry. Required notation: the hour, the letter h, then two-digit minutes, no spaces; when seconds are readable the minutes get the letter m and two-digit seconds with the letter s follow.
10h30
